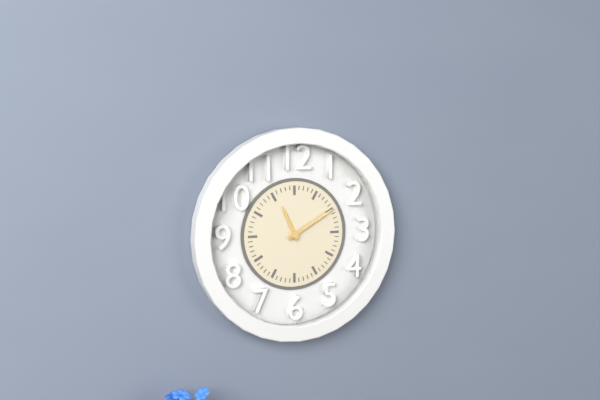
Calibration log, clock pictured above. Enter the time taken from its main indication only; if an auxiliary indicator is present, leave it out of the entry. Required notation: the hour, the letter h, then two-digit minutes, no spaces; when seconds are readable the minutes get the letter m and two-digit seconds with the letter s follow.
11h10
